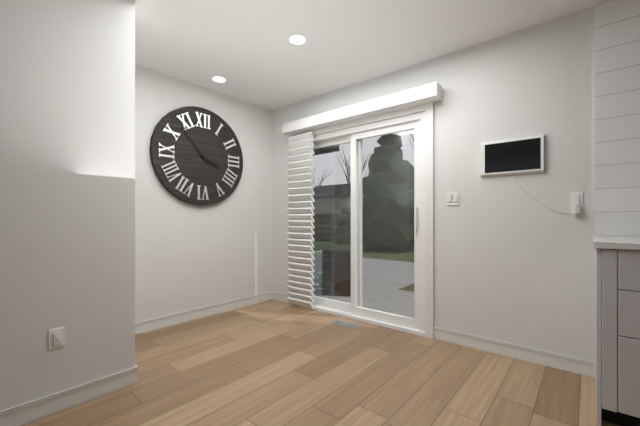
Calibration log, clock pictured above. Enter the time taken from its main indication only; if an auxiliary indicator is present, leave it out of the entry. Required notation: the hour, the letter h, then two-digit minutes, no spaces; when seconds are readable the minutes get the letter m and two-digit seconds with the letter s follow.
3h53
